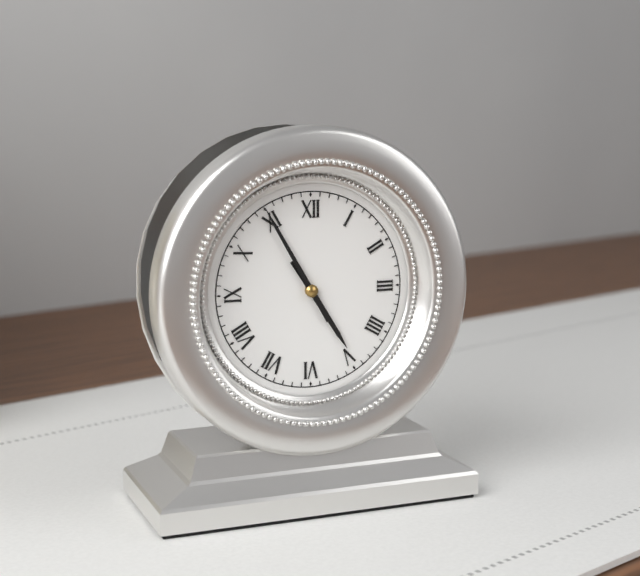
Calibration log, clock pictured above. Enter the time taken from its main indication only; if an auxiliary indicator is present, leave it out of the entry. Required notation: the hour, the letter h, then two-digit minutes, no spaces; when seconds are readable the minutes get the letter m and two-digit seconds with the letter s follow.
4h55
